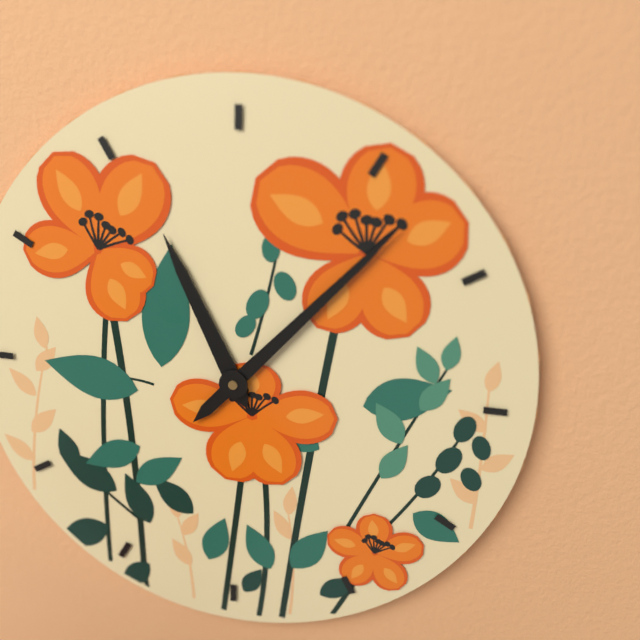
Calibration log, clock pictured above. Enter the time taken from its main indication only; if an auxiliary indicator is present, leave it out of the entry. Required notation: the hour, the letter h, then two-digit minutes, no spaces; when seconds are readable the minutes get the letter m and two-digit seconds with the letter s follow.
11h07
